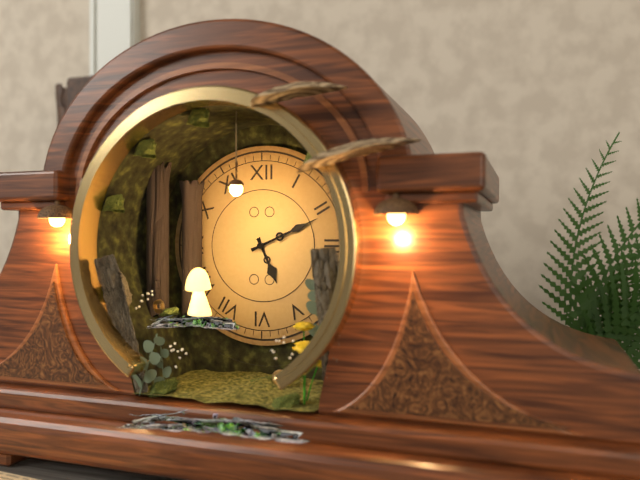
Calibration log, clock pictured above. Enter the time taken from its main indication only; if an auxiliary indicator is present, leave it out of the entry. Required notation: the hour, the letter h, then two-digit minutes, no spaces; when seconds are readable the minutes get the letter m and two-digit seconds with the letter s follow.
5h11
